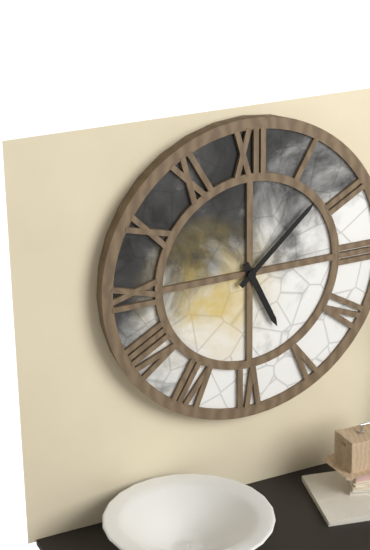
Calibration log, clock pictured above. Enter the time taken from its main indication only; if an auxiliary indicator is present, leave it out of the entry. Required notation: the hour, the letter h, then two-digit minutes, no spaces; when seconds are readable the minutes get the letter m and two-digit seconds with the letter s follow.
5h08
